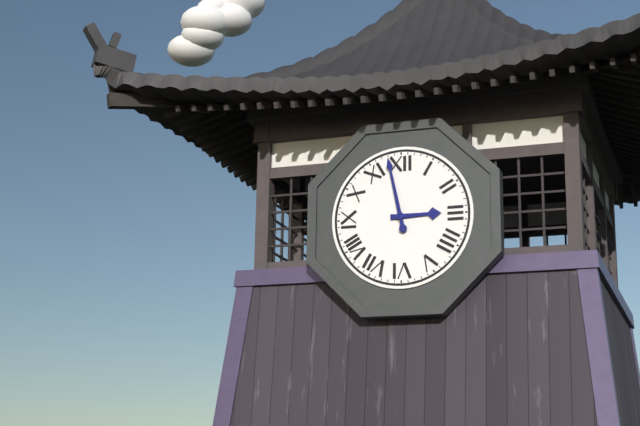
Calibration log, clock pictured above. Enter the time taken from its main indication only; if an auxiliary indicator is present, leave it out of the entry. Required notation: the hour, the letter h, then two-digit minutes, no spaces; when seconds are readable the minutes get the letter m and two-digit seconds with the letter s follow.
2h58
